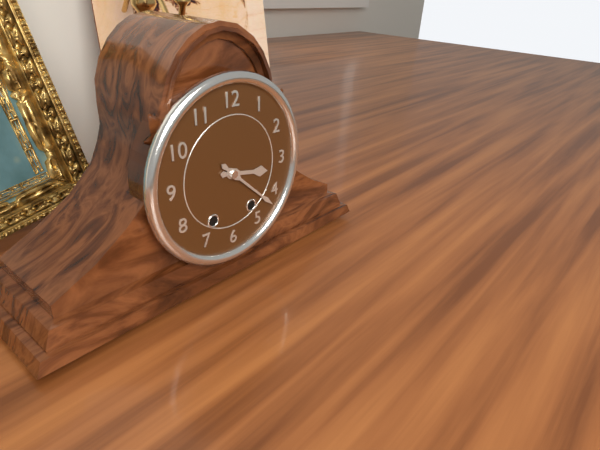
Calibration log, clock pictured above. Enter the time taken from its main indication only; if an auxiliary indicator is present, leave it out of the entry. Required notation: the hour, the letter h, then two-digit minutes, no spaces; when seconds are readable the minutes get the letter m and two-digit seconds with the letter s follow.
3h22
